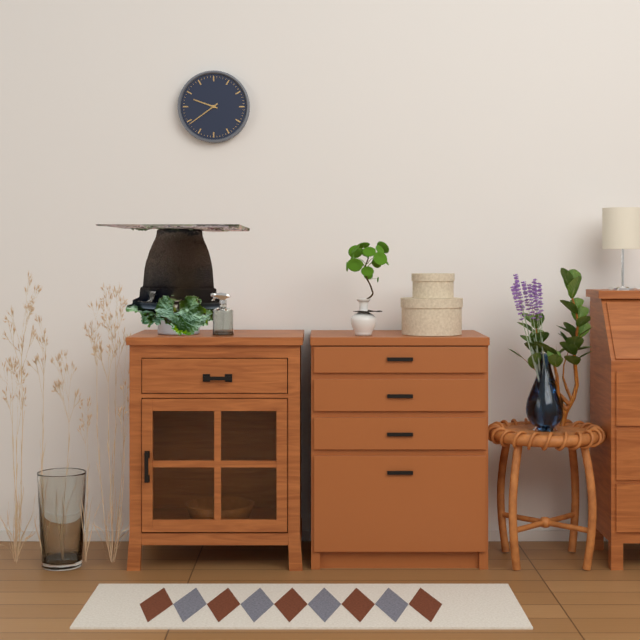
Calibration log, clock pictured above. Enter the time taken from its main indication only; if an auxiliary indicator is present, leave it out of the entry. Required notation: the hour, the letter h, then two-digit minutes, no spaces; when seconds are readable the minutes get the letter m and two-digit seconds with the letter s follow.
9h39
